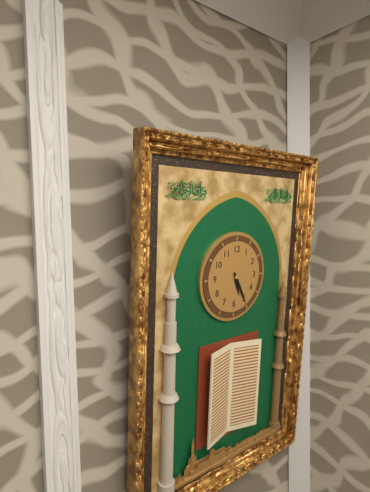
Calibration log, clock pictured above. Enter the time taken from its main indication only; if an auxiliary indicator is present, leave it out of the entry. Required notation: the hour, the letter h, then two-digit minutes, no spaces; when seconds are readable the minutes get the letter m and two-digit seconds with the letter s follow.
5h25
